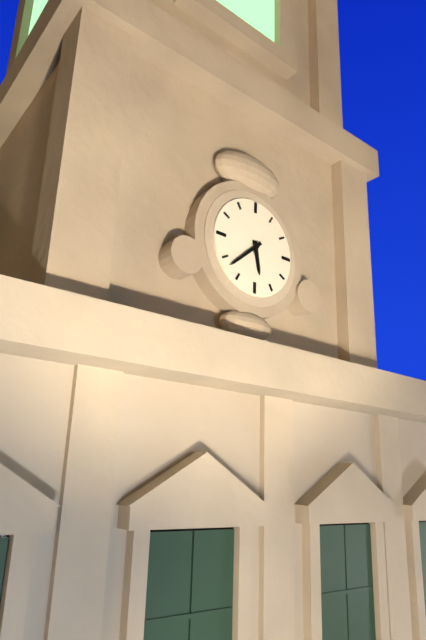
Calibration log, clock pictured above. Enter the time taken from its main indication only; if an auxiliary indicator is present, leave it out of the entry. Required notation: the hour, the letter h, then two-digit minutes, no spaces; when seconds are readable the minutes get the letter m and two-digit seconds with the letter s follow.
5h38
